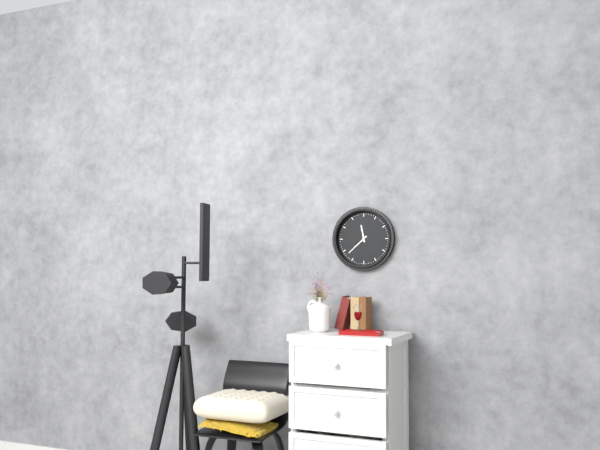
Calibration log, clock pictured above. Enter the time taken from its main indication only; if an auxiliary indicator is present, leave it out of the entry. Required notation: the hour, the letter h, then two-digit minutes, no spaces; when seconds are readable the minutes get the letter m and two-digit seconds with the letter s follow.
11h38
